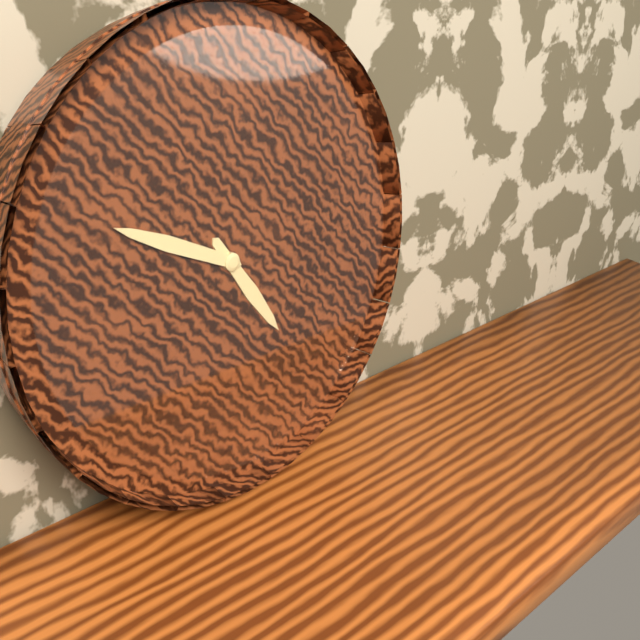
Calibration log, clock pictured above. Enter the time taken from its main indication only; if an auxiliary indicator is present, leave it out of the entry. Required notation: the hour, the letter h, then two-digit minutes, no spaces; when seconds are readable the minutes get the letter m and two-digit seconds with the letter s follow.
4h49
